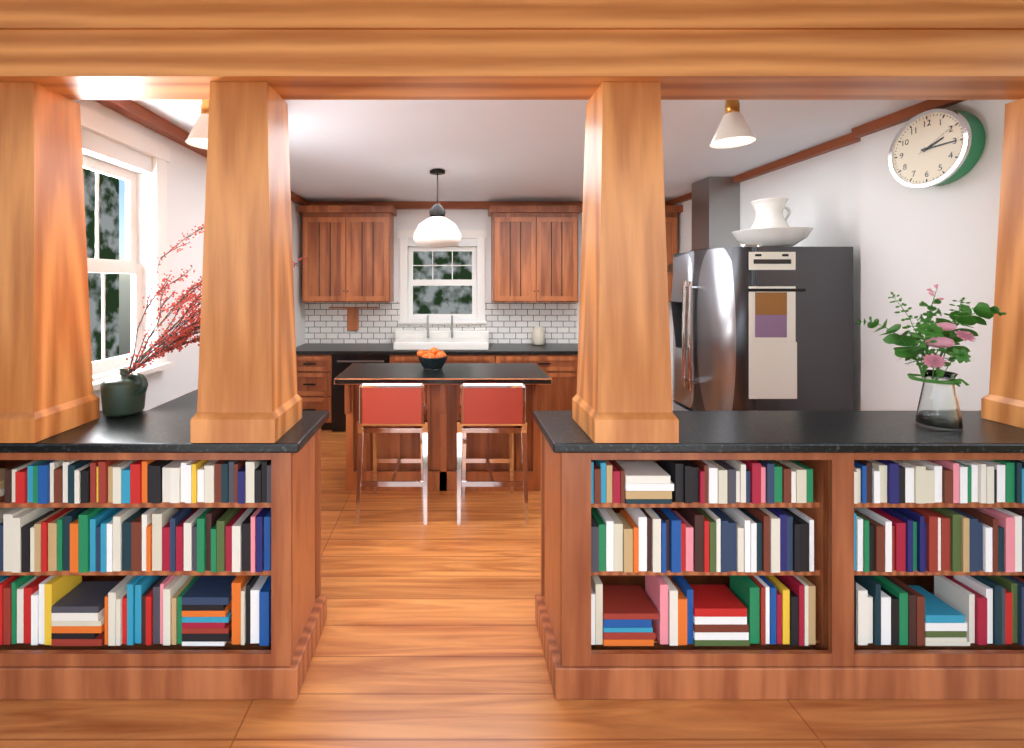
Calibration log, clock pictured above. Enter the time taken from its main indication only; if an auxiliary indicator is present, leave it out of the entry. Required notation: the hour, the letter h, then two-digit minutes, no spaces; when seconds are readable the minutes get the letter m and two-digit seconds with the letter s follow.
2h15
